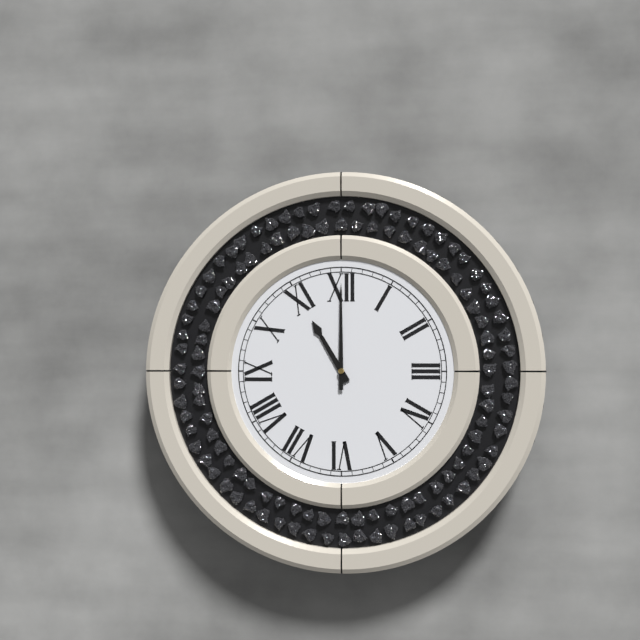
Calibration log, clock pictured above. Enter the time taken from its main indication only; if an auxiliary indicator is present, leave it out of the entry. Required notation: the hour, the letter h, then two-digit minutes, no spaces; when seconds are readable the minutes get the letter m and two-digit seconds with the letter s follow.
11h00
